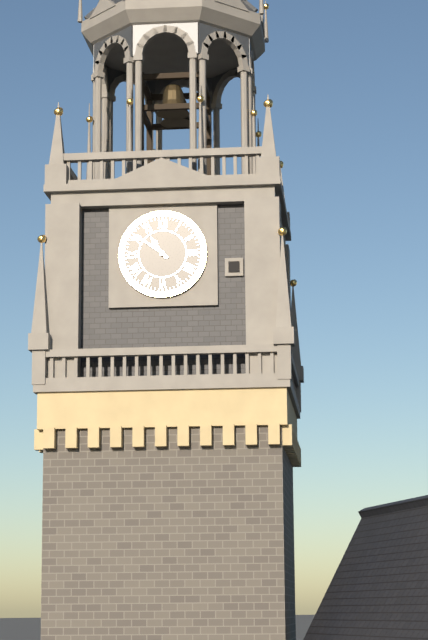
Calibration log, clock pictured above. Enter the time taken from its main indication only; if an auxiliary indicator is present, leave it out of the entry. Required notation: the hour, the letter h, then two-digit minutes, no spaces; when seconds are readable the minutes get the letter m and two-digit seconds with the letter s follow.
10h51
